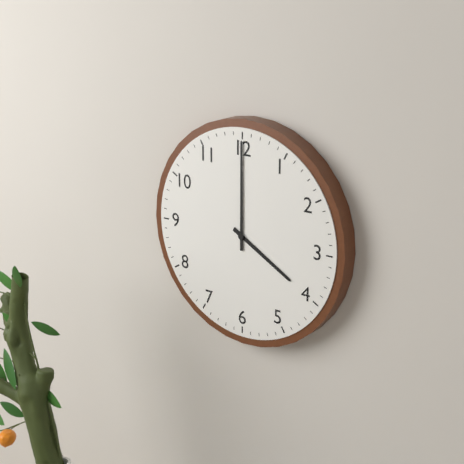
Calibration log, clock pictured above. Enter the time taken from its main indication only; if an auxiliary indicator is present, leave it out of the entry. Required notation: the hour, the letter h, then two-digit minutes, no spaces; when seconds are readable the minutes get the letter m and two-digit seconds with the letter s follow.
4h00
